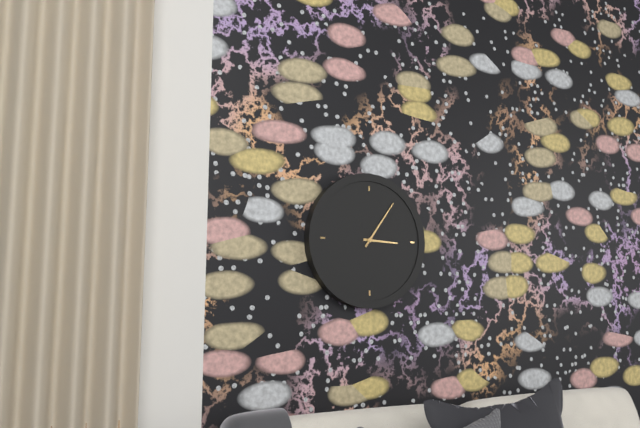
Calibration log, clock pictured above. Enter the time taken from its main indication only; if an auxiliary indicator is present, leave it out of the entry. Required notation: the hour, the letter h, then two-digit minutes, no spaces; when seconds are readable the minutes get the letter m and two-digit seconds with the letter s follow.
3h06
